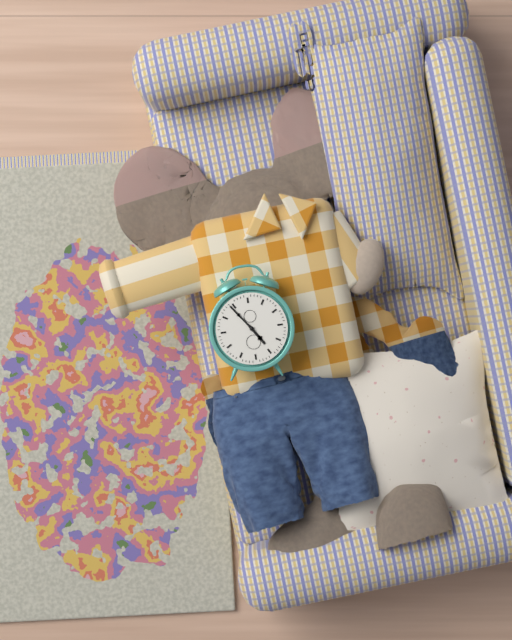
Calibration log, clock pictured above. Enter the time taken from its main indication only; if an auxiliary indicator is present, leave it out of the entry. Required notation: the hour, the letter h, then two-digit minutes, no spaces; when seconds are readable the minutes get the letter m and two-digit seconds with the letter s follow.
4h54
